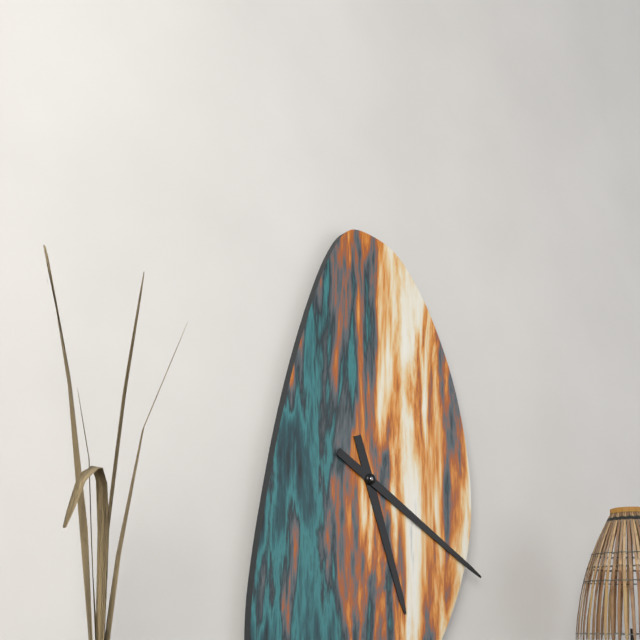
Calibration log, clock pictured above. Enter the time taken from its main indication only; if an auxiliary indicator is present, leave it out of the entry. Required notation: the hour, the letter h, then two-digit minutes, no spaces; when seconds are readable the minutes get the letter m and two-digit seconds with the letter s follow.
5h20
